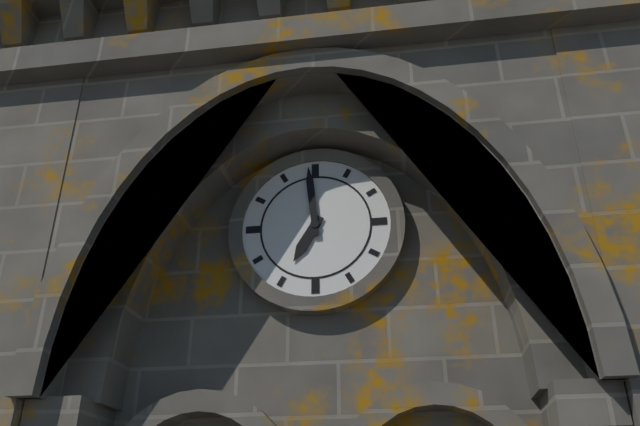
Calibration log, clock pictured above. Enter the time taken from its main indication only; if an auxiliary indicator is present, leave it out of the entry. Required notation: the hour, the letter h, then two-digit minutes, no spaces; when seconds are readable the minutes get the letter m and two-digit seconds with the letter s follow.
6h59
